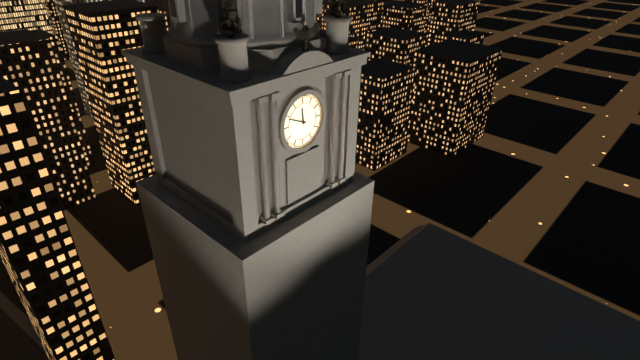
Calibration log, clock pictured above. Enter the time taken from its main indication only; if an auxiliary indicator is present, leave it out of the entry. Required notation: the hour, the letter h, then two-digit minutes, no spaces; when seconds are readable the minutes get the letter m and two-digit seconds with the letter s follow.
11h49
